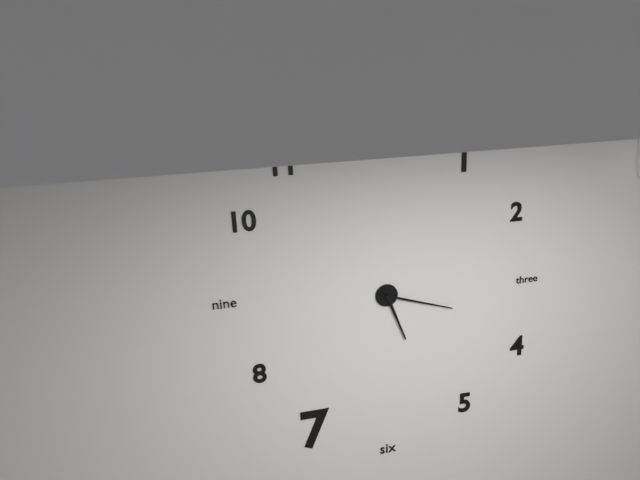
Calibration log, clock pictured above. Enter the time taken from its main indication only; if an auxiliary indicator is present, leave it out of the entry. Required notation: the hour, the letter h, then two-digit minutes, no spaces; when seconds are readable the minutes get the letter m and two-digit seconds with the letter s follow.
5h18
